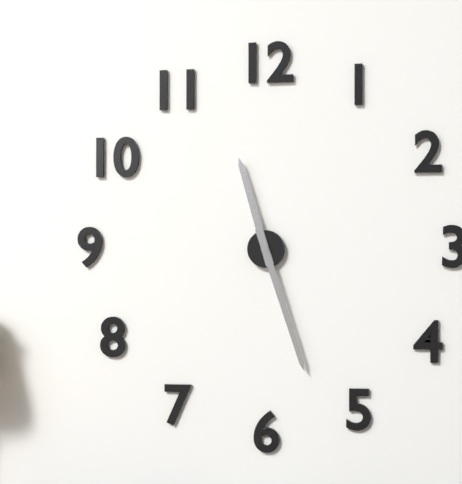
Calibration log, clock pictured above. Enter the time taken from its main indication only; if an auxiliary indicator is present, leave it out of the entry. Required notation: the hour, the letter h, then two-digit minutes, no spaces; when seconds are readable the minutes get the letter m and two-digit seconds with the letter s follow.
11h27
